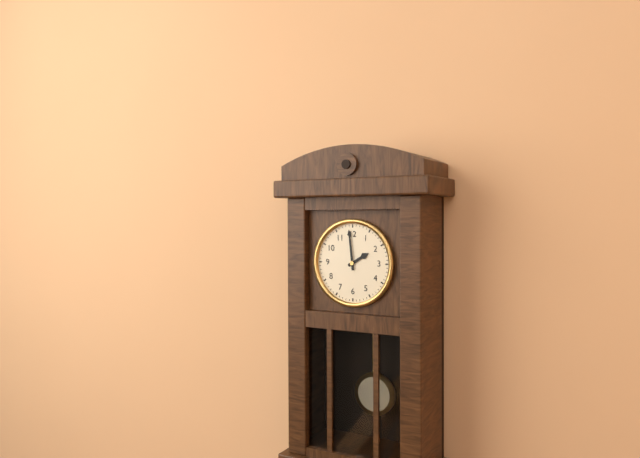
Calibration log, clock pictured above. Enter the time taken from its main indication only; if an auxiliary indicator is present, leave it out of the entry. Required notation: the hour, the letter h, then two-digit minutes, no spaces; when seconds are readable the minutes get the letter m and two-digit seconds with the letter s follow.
1h59
